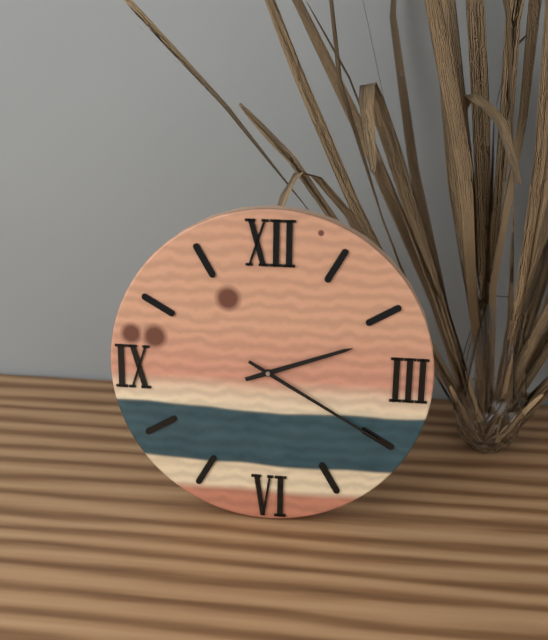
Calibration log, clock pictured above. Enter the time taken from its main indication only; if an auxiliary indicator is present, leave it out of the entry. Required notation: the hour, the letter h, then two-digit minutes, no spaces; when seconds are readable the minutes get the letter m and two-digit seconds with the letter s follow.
2h20
